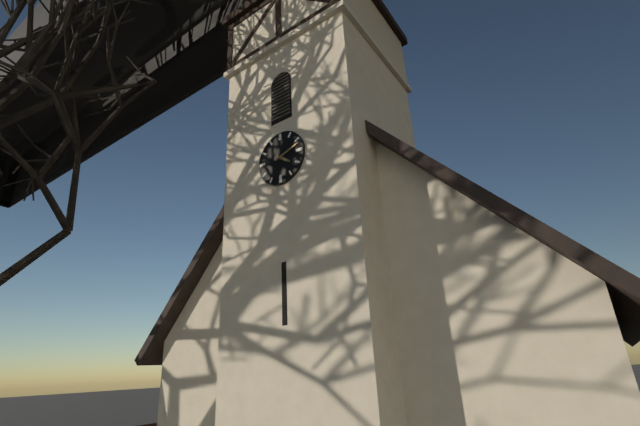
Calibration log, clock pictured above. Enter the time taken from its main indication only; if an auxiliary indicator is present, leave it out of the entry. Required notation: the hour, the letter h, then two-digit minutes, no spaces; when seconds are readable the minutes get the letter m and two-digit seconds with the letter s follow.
4h12
